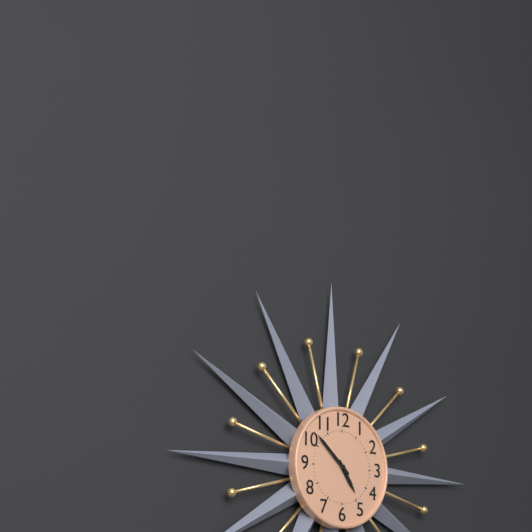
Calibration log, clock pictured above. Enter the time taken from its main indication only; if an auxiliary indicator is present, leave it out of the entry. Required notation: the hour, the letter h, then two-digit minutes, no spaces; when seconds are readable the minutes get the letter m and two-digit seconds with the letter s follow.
4h52
